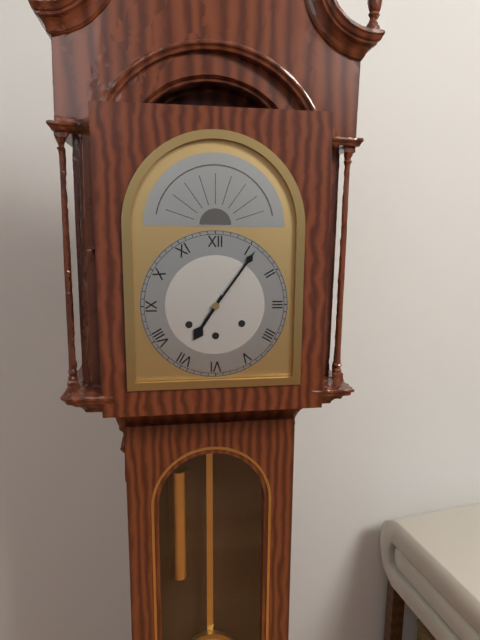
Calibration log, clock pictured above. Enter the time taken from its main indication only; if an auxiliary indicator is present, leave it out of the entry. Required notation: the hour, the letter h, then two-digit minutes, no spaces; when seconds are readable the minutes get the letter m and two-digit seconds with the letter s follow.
7h06
